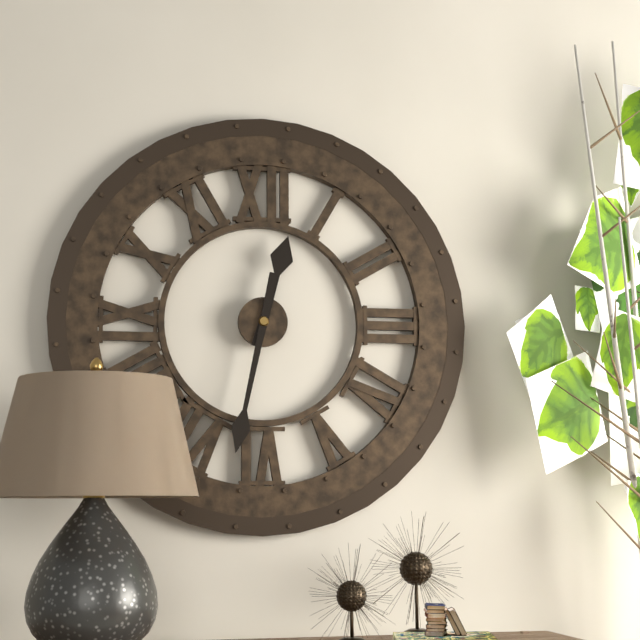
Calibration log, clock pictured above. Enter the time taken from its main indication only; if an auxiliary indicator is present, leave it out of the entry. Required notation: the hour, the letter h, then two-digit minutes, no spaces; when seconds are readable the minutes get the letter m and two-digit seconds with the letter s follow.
12h32
